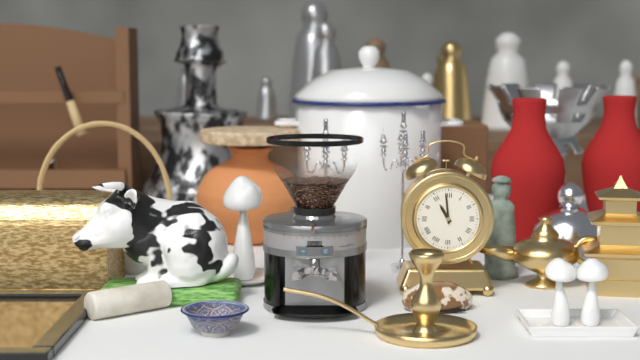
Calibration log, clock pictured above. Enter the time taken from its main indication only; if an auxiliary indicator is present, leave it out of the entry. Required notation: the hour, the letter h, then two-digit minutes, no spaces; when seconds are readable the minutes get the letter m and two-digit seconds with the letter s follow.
10h59
